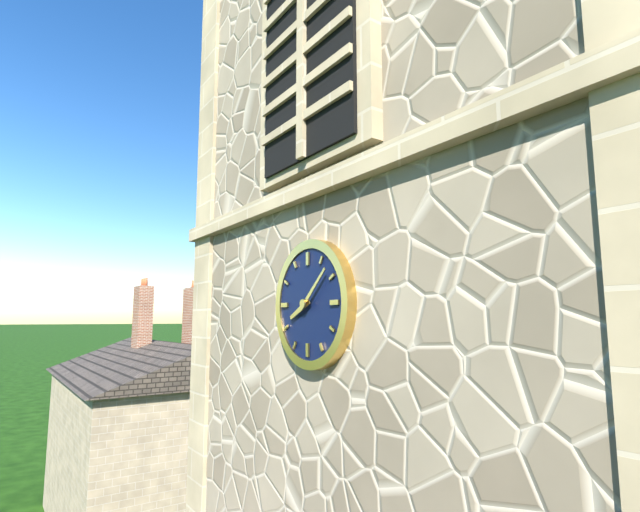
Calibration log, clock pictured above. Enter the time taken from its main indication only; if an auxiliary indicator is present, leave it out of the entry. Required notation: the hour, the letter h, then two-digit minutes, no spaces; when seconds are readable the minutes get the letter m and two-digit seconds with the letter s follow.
8h08
